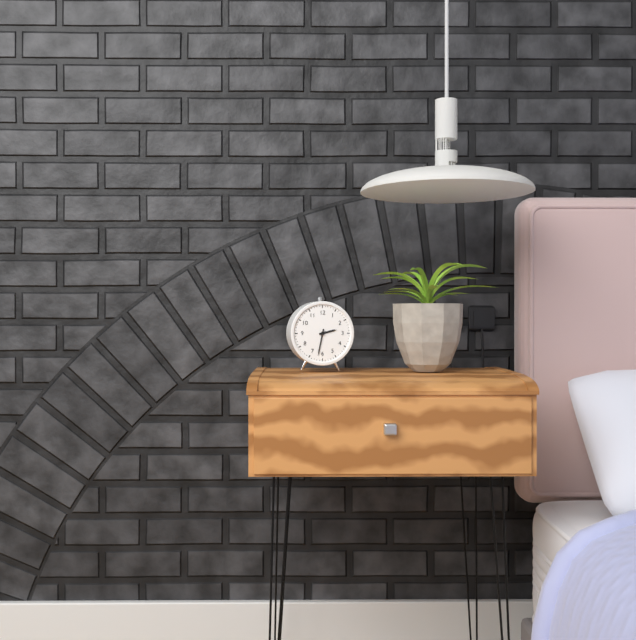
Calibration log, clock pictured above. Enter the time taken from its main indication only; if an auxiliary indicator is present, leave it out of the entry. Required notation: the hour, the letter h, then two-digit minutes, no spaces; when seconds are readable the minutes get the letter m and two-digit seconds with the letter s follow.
2h32
